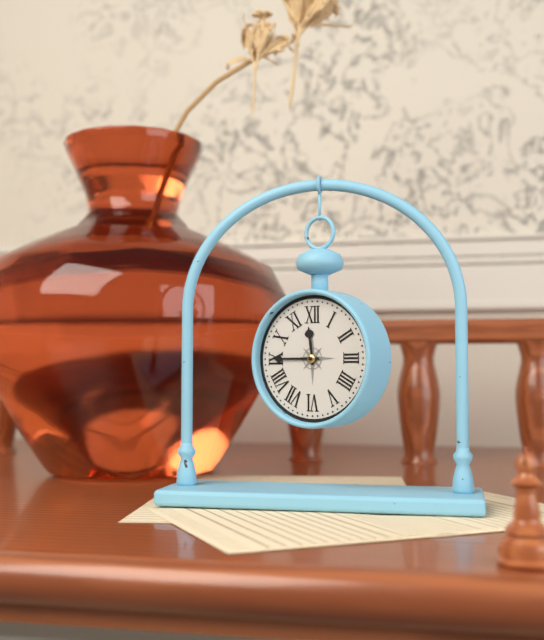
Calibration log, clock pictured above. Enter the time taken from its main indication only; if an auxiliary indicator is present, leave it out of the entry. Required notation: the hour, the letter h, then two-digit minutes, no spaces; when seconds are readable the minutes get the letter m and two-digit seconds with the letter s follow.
11h45
